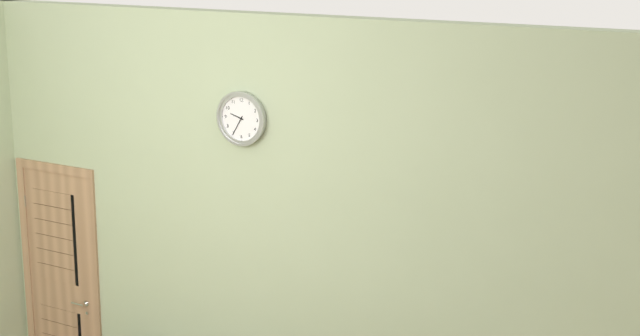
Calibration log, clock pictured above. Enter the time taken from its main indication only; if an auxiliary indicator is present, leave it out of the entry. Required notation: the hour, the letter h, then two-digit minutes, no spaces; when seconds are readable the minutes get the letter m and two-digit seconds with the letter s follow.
9h35
